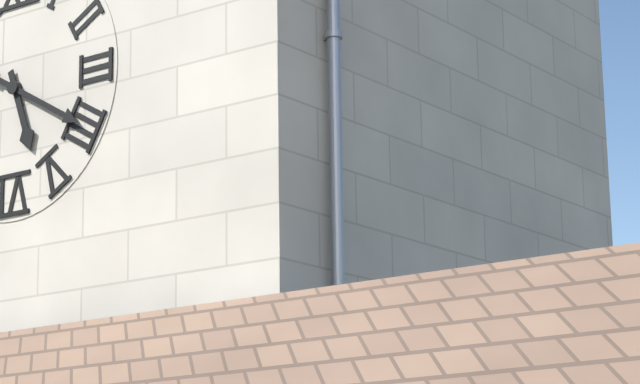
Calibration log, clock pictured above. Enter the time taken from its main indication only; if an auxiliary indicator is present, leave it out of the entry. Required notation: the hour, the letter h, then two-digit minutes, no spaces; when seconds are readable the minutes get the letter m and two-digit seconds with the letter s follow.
5h20
